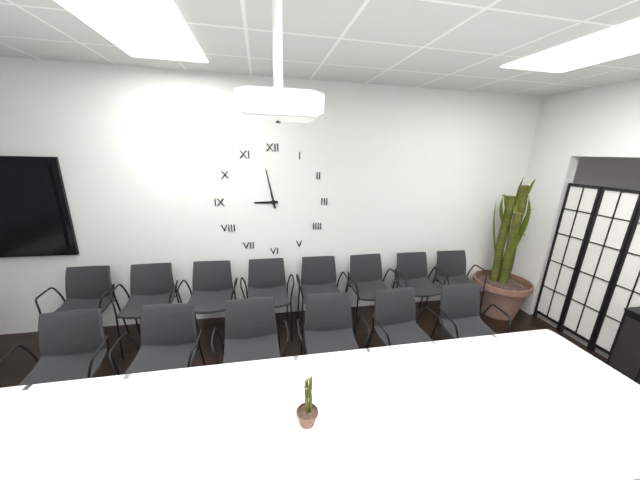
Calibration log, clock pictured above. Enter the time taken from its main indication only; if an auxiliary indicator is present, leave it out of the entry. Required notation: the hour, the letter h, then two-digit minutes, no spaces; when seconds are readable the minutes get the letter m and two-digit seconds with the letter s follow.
8h58
